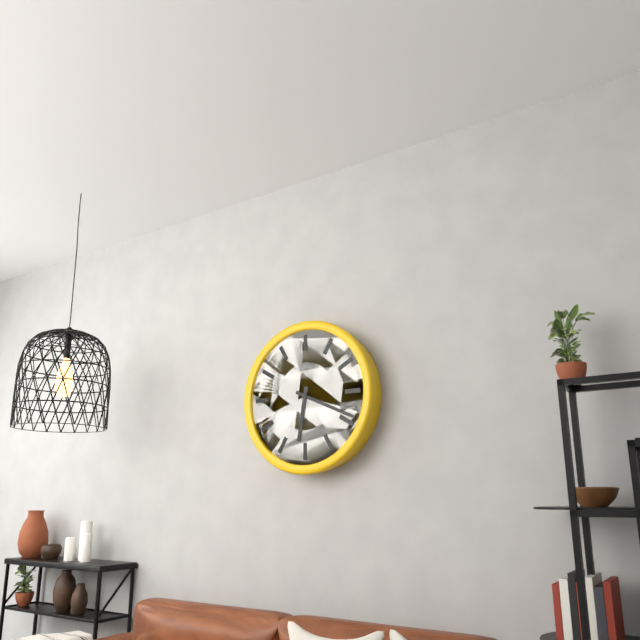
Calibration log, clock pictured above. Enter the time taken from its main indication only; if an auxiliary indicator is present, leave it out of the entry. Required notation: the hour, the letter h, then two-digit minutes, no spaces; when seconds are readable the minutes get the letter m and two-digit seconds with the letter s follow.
6h19
